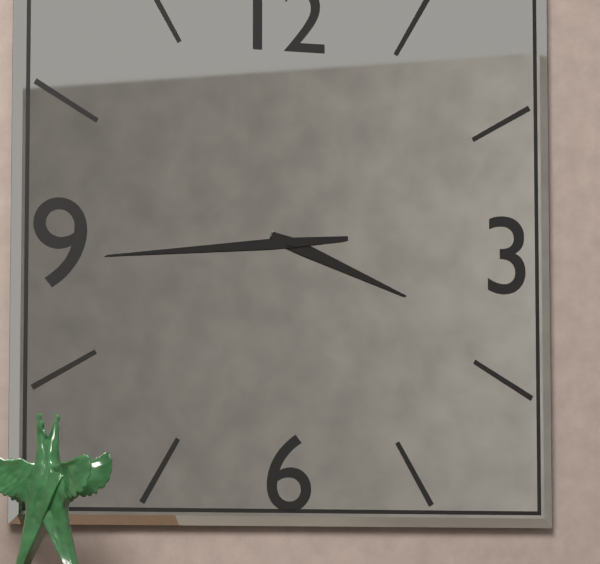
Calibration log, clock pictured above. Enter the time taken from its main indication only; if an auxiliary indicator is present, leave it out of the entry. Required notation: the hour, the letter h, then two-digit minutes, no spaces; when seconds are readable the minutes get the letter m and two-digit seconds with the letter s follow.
3h44
